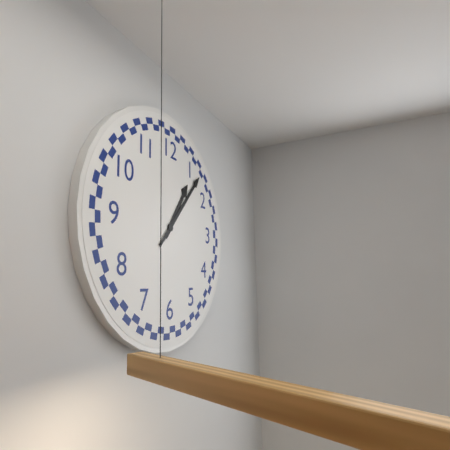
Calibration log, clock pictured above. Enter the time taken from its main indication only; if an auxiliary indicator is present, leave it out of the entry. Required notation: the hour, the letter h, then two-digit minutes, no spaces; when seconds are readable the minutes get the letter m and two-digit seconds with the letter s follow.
1h07
